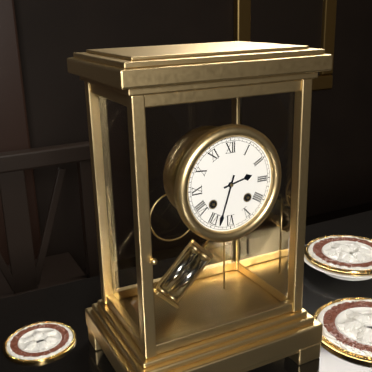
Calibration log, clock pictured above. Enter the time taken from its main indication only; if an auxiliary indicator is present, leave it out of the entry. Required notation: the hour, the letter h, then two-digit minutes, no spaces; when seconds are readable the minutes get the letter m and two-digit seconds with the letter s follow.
2h33
